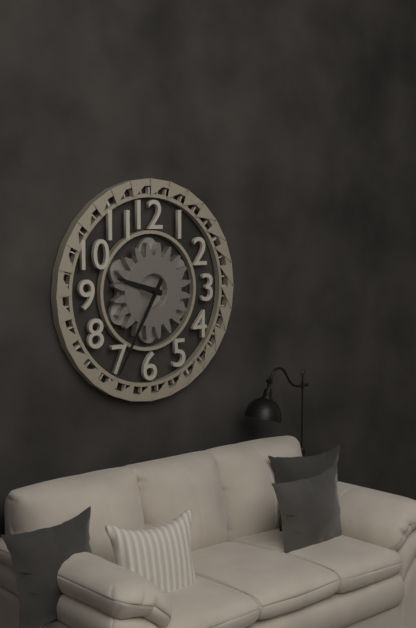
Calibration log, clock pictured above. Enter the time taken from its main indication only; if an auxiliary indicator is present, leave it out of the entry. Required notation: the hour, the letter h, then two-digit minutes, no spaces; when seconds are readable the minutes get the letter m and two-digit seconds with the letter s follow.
9h35
